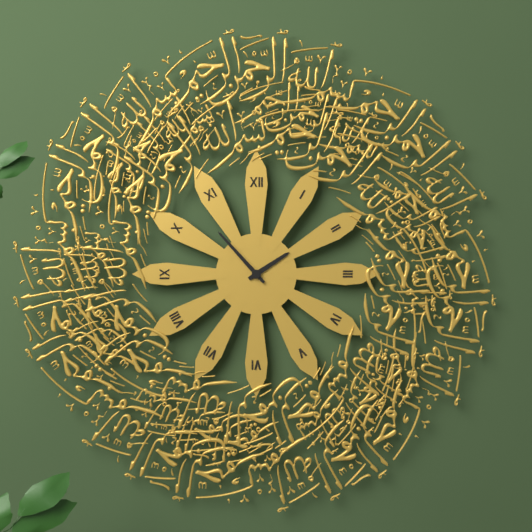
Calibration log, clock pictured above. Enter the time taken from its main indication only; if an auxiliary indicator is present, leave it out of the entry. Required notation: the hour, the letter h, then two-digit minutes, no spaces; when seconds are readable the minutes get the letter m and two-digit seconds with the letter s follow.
1h53
